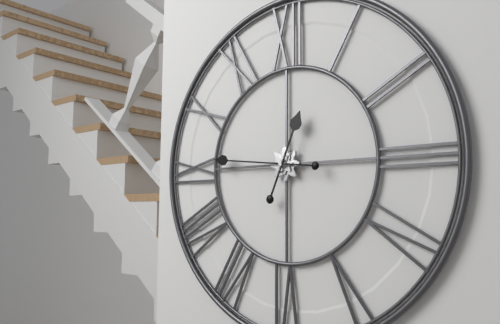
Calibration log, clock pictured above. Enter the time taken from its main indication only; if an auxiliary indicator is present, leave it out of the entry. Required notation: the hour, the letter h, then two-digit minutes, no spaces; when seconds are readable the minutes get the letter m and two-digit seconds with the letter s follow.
12h46
